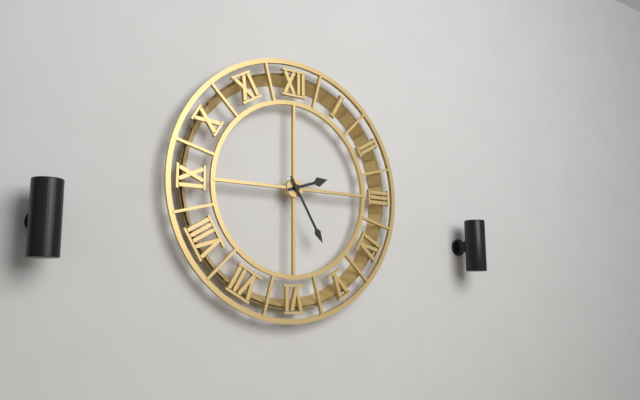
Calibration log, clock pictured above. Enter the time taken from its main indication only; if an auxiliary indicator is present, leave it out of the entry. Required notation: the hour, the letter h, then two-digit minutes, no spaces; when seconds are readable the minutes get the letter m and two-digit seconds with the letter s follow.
2h25
